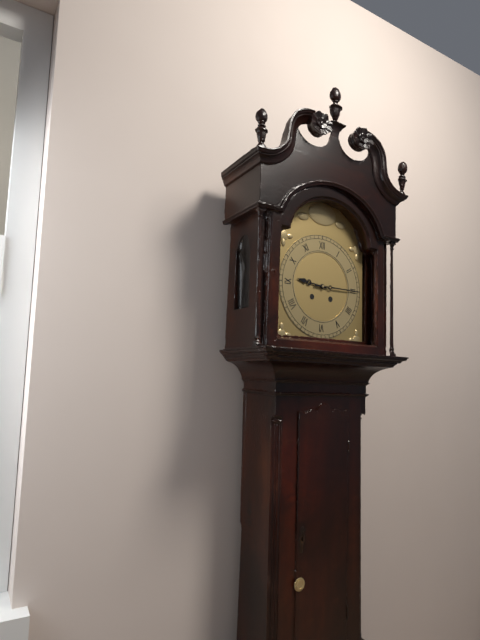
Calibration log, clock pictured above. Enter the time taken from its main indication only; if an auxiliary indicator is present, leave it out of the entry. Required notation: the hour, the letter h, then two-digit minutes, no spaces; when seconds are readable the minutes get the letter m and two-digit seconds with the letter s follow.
9h15
